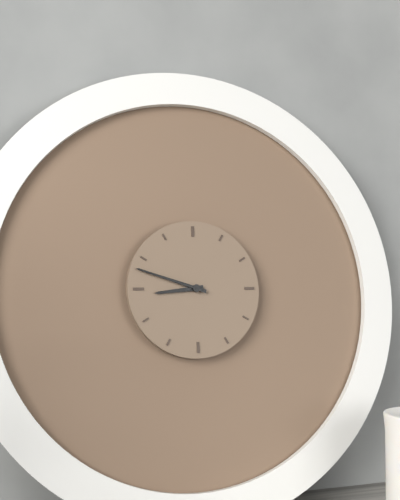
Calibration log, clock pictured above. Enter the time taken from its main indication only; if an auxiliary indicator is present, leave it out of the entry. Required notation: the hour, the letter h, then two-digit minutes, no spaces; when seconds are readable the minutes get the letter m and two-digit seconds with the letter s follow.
8h48
